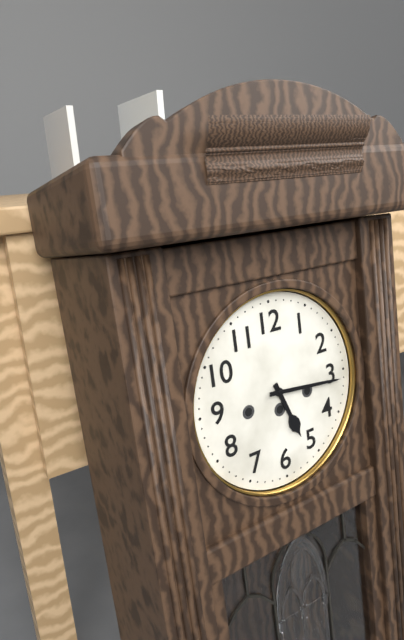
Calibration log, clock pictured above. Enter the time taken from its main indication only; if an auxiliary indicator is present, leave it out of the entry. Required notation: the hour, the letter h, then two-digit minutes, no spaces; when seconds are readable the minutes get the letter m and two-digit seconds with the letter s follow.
5h16
